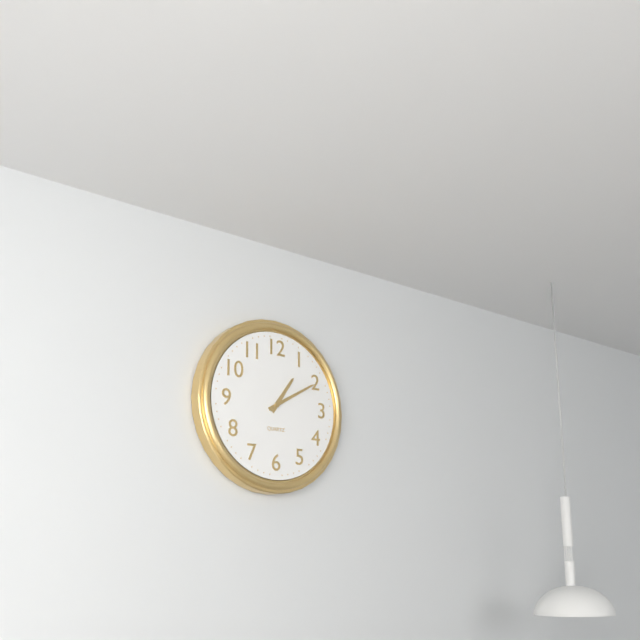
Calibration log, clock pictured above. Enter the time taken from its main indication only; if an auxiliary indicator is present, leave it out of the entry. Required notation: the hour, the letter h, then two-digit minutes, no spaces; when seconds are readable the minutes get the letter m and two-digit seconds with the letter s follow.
1h10
